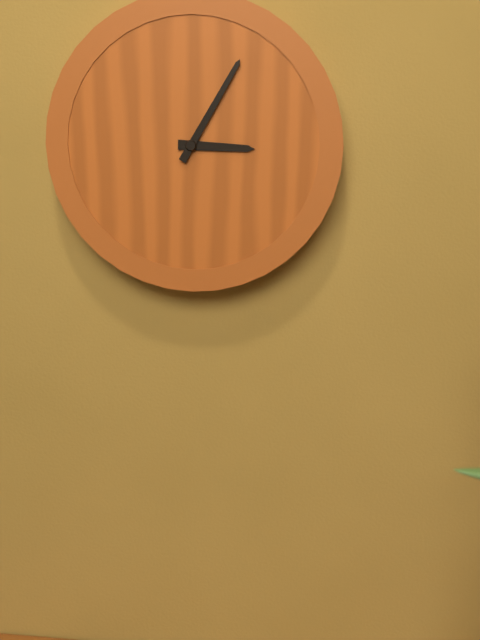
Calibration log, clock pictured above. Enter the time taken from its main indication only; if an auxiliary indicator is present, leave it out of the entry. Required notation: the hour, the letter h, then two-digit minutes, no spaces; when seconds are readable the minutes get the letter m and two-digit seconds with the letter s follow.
3h05
